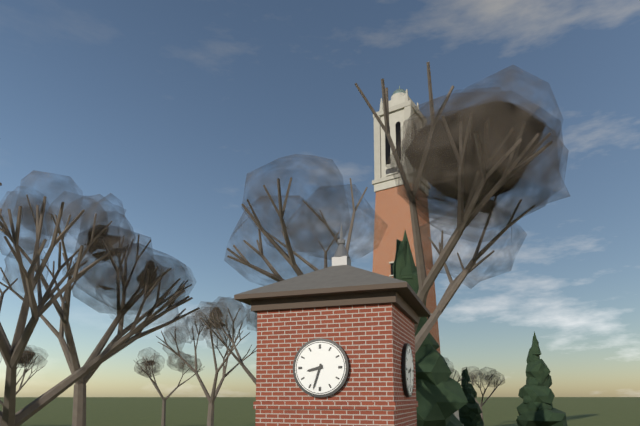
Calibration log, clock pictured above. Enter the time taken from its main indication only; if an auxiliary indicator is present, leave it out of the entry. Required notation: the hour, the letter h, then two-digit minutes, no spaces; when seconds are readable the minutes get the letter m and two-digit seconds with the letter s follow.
8h33
